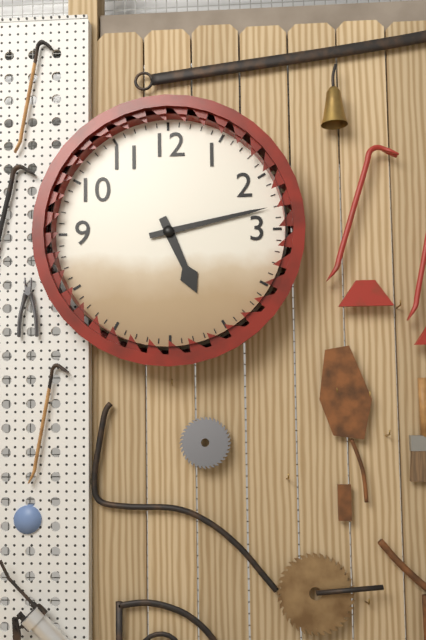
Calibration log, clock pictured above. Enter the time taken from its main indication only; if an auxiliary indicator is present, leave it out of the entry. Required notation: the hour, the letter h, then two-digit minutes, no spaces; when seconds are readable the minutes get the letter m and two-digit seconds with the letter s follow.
5h13
